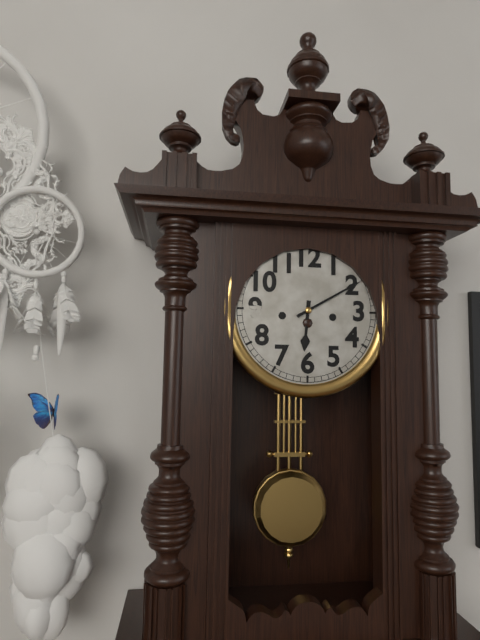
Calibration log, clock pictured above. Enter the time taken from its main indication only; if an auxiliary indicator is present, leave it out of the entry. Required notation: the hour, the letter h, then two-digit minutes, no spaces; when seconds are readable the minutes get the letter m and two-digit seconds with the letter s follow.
6h10
